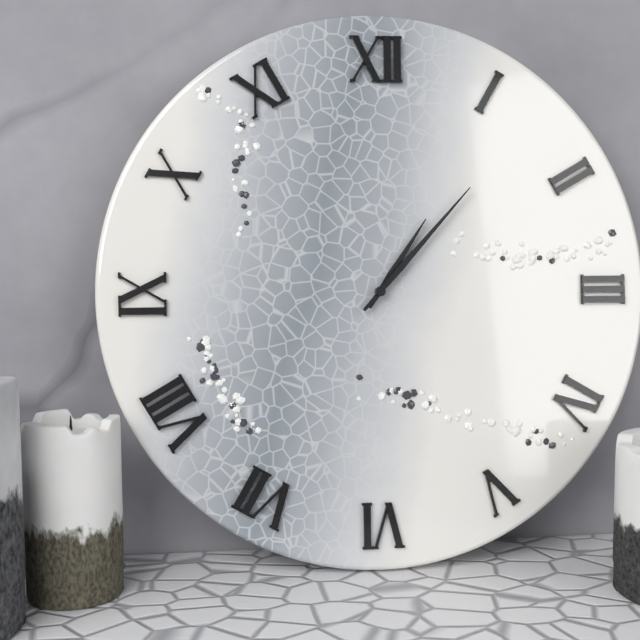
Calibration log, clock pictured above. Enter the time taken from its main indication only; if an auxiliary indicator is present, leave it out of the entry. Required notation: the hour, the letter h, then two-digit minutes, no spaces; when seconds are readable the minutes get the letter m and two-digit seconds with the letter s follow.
1h07
